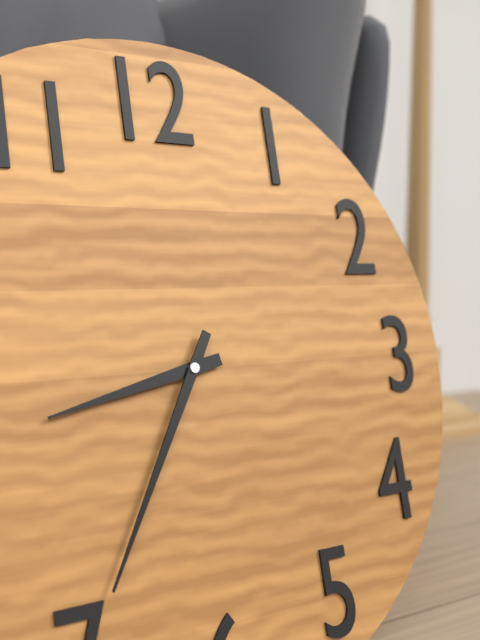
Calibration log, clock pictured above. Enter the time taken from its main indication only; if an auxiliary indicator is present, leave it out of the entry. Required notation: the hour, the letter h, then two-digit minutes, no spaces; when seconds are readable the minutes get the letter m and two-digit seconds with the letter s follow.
8h35
